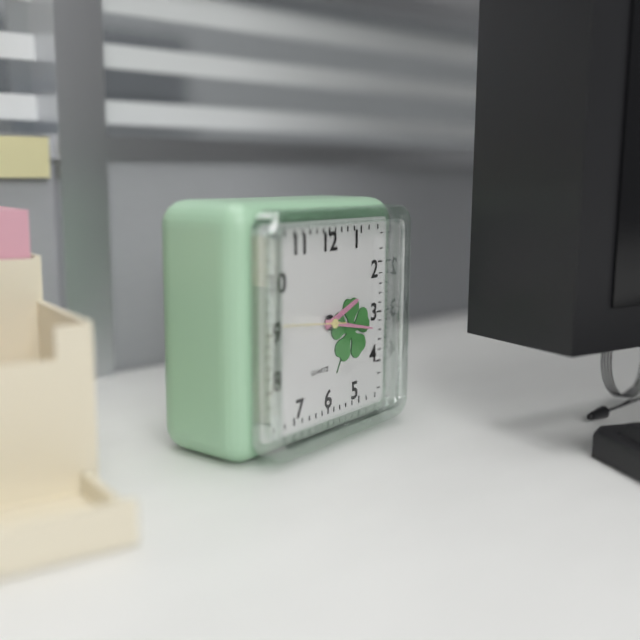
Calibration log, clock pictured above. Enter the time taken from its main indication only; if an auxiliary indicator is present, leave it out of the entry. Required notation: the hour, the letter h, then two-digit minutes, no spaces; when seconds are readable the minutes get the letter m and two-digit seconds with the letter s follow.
2h17
